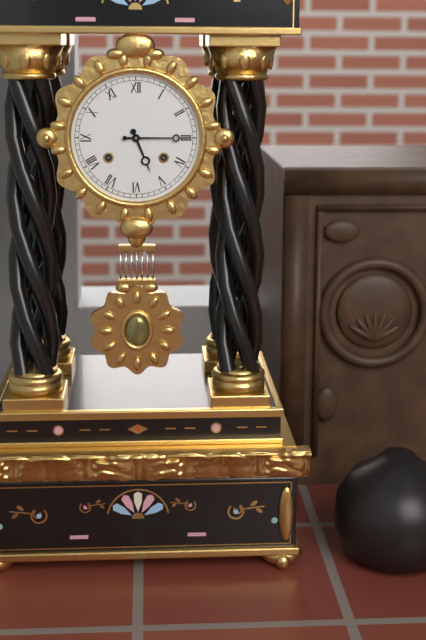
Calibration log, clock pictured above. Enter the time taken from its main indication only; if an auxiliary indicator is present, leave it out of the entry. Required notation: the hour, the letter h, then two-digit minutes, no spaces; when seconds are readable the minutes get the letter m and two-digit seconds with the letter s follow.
5h15
